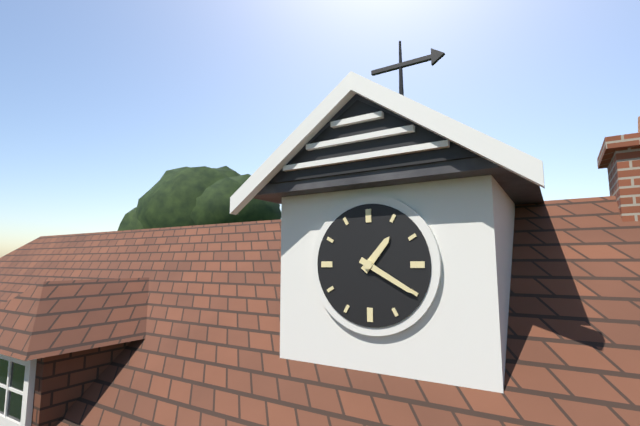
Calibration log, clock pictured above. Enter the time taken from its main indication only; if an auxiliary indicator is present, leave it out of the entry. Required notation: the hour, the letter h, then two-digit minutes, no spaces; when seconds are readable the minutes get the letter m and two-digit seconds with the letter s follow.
1h20
